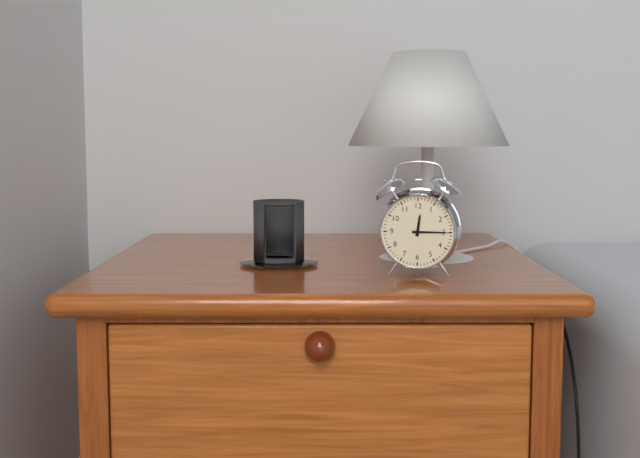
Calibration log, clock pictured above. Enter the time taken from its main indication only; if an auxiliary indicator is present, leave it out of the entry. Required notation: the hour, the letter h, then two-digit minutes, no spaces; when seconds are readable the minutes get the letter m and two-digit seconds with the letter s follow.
12h15
